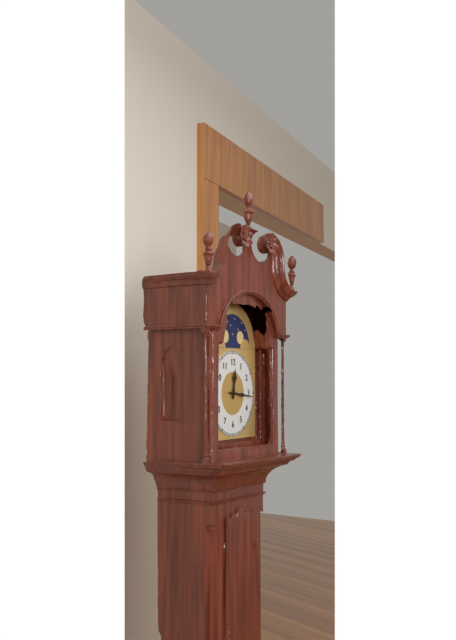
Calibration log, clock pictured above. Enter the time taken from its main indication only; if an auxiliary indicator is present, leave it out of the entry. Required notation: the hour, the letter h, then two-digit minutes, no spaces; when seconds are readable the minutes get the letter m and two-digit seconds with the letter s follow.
12h16
